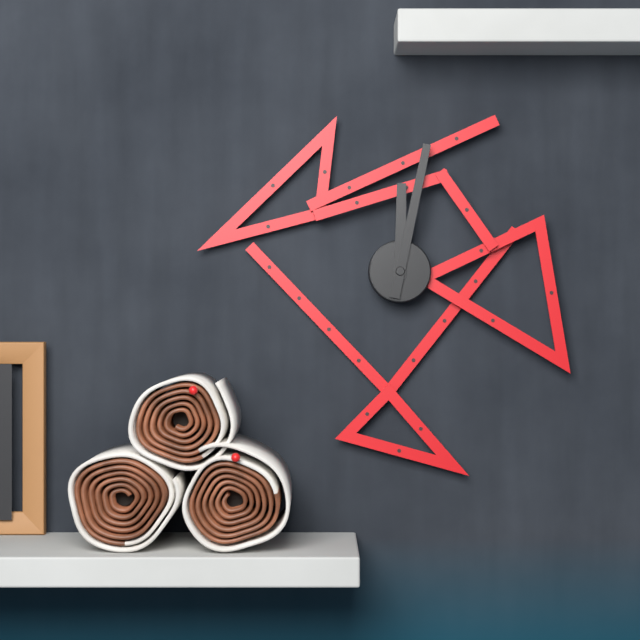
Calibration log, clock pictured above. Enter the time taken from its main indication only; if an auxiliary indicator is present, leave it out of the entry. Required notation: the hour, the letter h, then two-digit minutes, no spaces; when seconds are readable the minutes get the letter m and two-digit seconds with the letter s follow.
12h02
